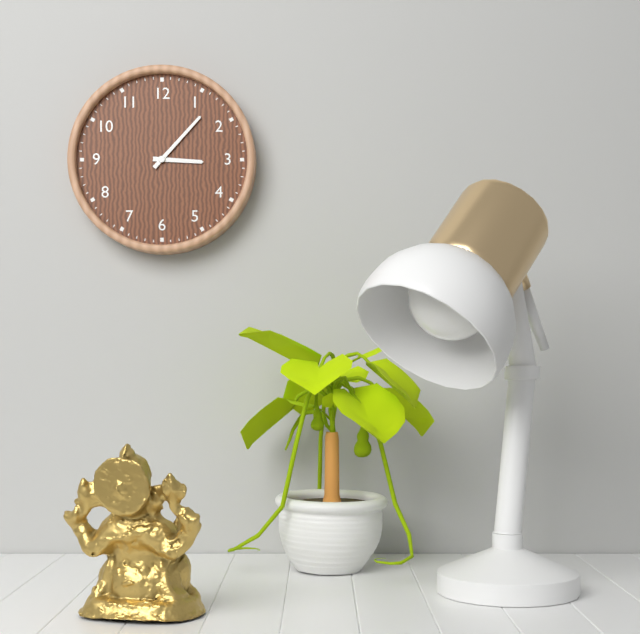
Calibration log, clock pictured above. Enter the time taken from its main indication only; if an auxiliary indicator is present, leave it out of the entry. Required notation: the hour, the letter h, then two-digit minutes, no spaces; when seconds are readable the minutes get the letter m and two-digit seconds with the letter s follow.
3h07
